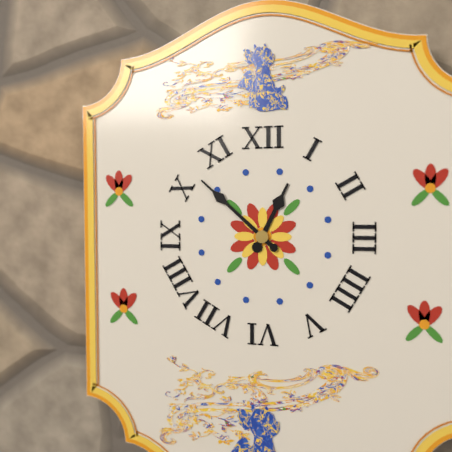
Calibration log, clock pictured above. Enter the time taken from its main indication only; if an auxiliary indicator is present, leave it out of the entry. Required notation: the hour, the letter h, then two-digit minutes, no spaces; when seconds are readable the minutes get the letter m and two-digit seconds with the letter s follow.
12h52
